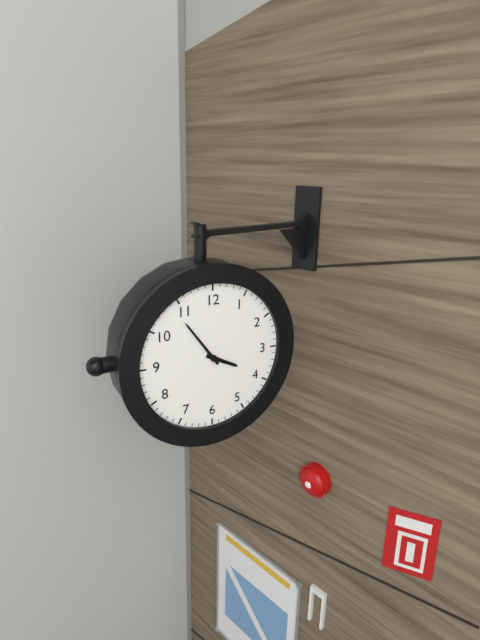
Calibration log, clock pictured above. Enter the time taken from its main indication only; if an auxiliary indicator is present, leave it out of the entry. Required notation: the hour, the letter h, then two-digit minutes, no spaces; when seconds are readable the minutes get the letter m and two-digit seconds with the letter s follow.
3h54
